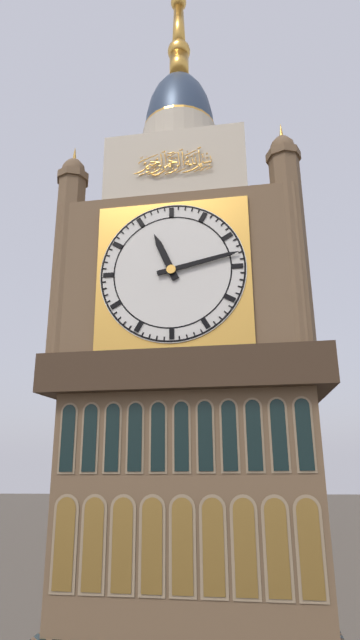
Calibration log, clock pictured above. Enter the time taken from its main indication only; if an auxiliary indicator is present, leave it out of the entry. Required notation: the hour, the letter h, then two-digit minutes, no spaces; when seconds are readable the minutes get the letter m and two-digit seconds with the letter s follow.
11h13
